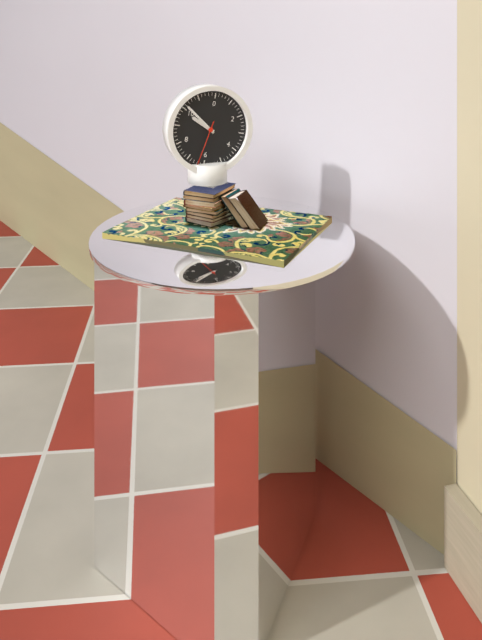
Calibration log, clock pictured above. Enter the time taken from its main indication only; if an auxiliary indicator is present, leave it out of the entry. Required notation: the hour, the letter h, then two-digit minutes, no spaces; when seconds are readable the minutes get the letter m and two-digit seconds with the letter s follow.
9h51
